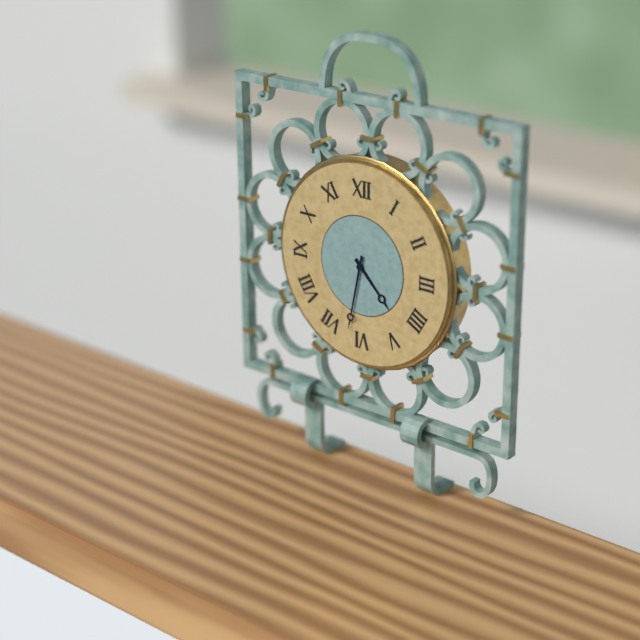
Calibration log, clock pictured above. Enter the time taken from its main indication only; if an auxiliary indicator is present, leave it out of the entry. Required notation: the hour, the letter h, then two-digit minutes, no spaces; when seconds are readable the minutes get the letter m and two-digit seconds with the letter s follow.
4h32
